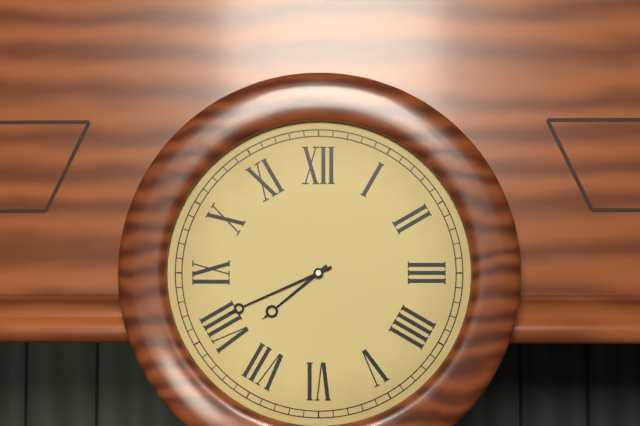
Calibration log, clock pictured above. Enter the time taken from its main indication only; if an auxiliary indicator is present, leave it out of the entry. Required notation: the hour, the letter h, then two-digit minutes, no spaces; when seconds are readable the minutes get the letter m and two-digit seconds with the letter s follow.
7h41
